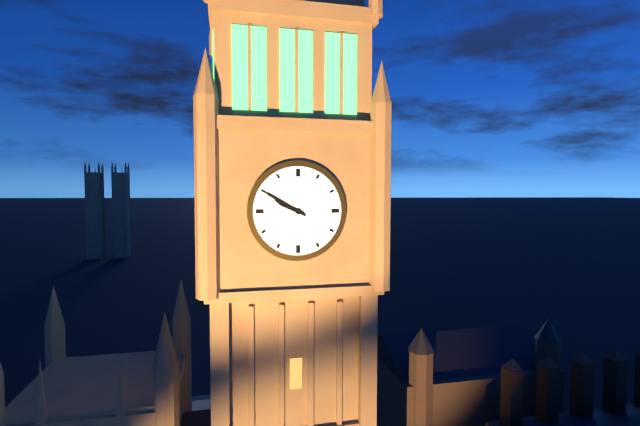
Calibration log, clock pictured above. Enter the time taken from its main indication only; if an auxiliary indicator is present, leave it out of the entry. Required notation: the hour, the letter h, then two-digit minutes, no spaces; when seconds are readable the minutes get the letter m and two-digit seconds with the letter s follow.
9h50
